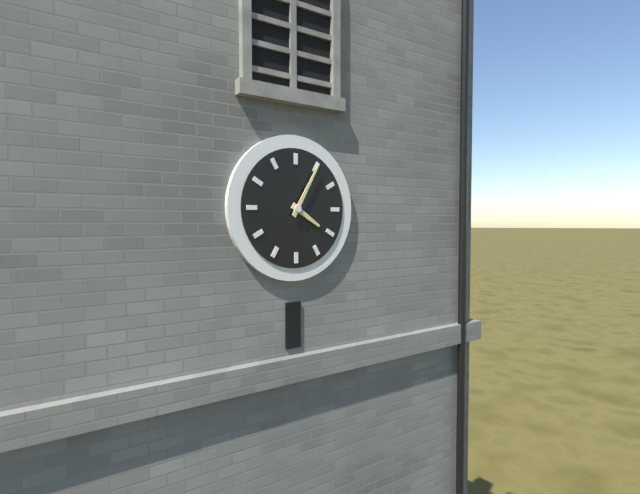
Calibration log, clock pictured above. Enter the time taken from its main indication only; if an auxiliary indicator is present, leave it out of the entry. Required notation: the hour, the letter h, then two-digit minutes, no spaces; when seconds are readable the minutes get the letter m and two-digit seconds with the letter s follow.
4h05
